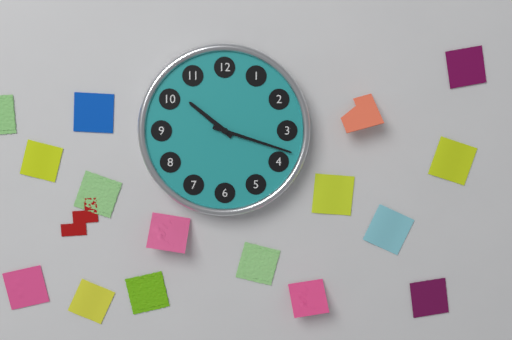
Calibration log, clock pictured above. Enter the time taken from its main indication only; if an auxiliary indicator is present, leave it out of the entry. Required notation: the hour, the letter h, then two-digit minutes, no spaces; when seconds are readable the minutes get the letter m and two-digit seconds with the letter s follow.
10h18
